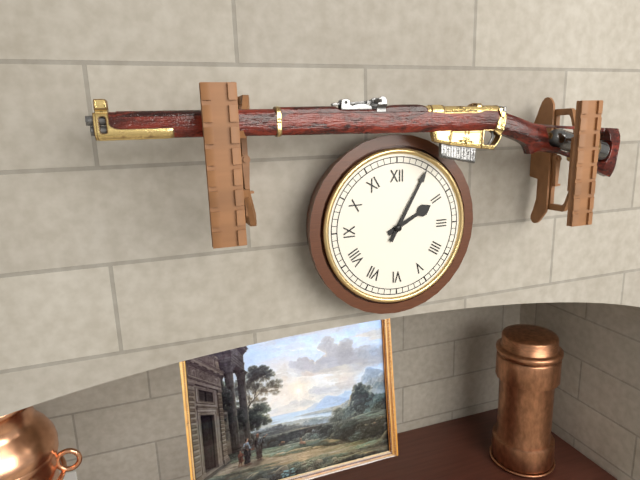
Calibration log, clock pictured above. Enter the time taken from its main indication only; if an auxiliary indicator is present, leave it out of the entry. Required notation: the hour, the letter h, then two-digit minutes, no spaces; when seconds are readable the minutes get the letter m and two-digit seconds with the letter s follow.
2h05
